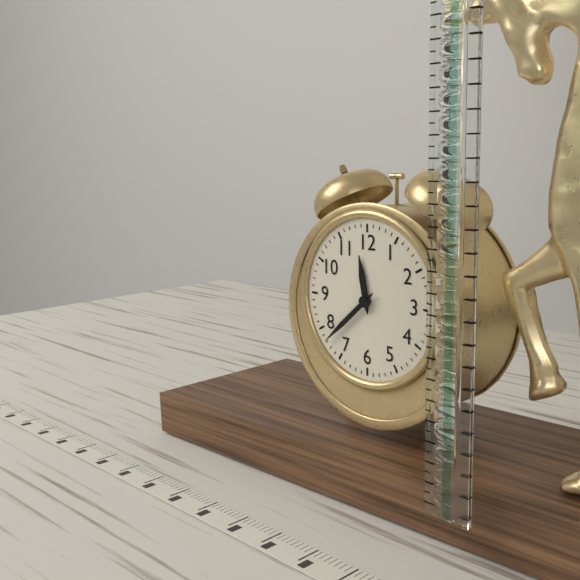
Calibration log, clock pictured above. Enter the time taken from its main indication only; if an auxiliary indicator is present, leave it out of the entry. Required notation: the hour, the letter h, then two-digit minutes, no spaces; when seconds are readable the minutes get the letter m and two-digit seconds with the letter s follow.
11h38
